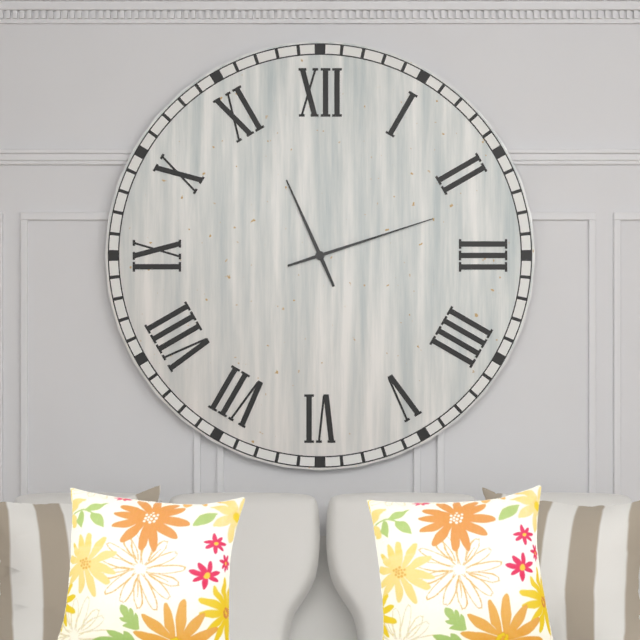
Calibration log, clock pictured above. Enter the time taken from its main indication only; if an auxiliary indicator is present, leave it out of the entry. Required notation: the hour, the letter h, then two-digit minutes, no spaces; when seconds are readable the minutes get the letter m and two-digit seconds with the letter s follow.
11h12
